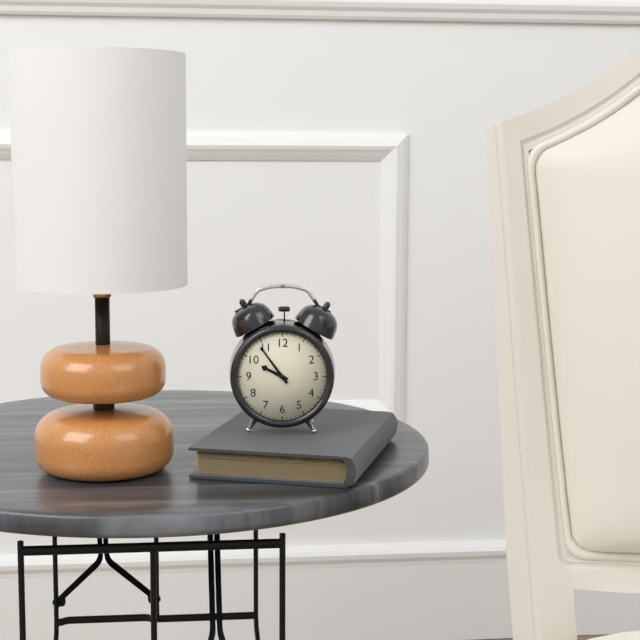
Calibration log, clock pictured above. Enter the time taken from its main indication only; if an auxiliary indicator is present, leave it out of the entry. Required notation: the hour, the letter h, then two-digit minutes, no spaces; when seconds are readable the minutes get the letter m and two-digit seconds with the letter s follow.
9h54
